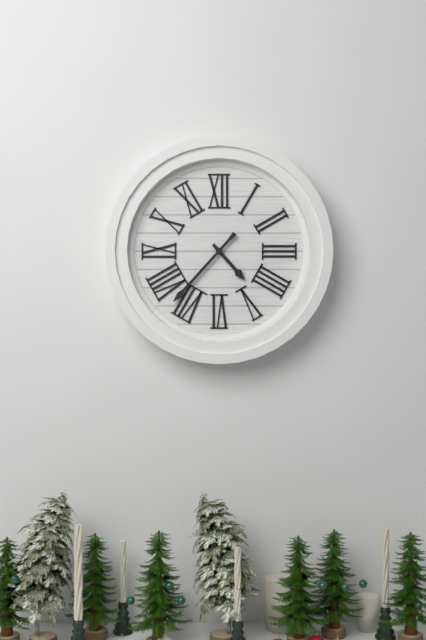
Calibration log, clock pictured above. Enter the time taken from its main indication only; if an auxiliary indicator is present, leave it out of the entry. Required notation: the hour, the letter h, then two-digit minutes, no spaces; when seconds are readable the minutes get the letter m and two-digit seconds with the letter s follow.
4h37
